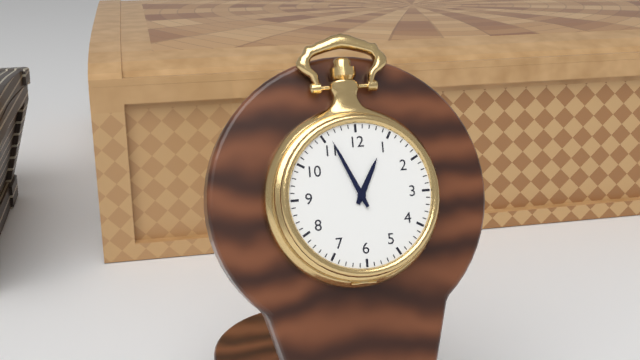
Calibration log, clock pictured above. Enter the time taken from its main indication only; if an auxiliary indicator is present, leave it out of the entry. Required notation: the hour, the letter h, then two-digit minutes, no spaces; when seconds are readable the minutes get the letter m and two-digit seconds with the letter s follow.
12h56
